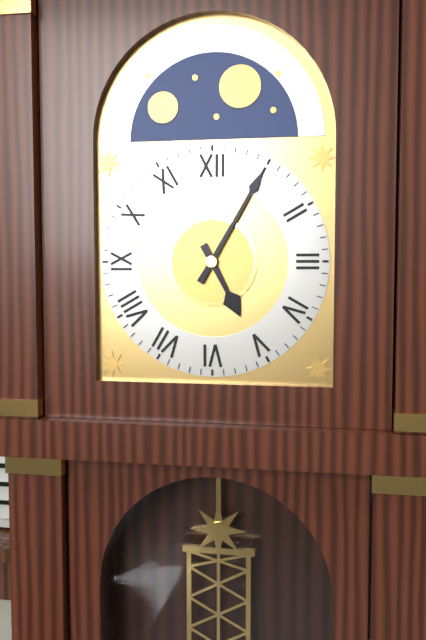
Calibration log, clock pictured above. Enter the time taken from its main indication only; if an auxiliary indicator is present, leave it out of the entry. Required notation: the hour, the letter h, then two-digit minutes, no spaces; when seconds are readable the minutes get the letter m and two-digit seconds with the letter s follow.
5h05
